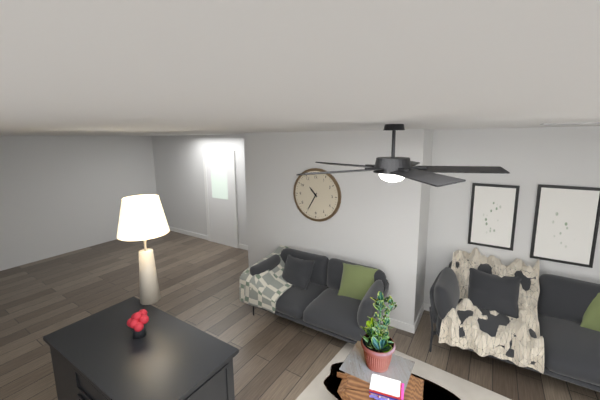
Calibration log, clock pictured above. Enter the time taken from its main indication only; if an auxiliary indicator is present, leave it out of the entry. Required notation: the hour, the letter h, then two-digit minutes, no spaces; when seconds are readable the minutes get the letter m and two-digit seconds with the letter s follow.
10h35
